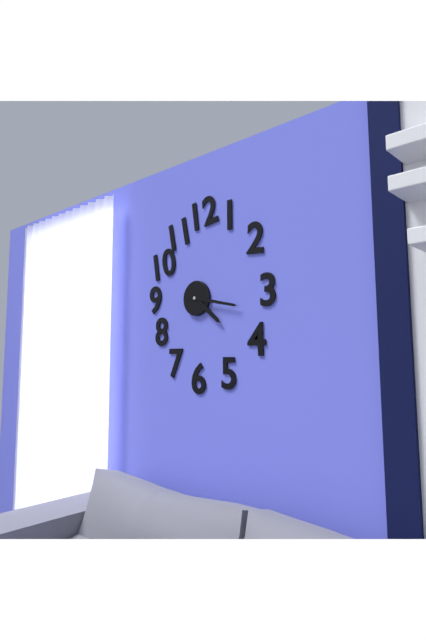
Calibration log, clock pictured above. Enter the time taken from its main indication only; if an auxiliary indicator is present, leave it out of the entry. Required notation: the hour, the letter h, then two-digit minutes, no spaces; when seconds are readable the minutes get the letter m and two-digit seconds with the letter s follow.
4h17
